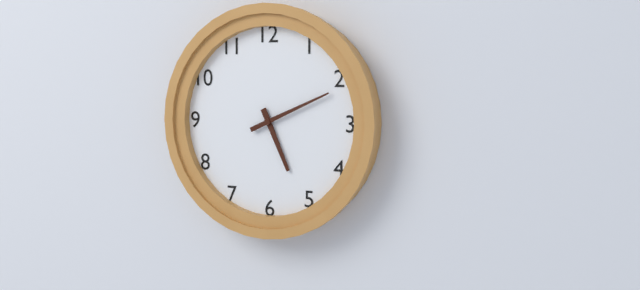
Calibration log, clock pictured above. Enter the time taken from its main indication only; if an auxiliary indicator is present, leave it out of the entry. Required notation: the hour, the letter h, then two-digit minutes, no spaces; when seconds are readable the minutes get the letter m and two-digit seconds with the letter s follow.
5h11
